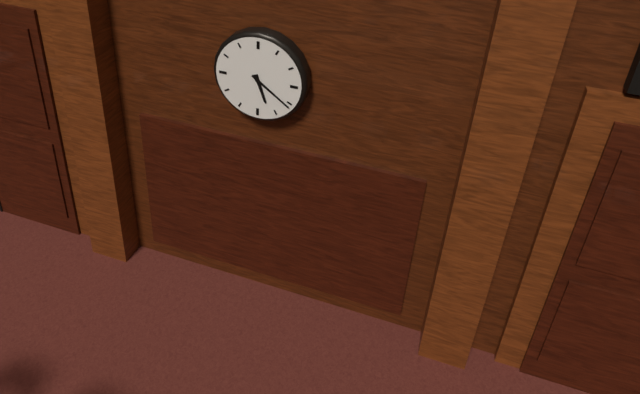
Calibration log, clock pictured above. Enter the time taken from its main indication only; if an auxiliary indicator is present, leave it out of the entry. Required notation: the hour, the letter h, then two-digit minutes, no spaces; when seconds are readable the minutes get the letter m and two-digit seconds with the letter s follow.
5h21
